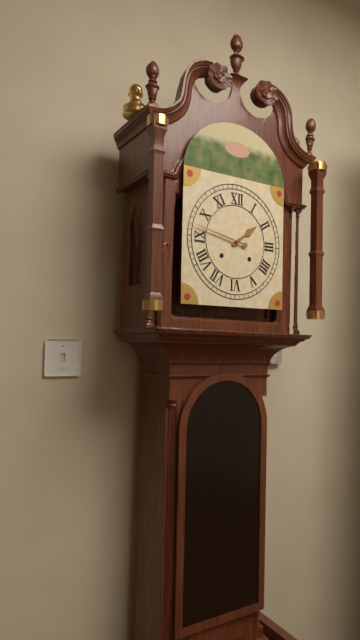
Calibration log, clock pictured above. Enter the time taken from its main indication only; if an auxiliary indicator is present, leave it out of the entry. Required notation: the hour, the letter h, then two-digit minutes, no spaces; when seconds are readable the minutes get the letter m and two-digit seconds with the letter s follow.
1h47
